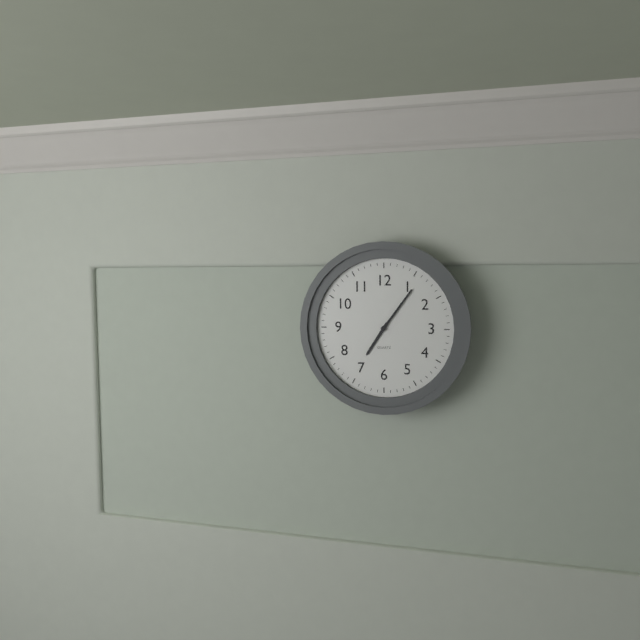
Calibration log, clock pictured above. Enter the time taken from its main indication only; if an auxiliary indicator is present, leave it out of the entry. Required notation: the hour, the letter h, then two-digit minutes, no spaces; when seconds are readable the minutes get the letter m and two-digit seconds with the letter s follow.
7h06
